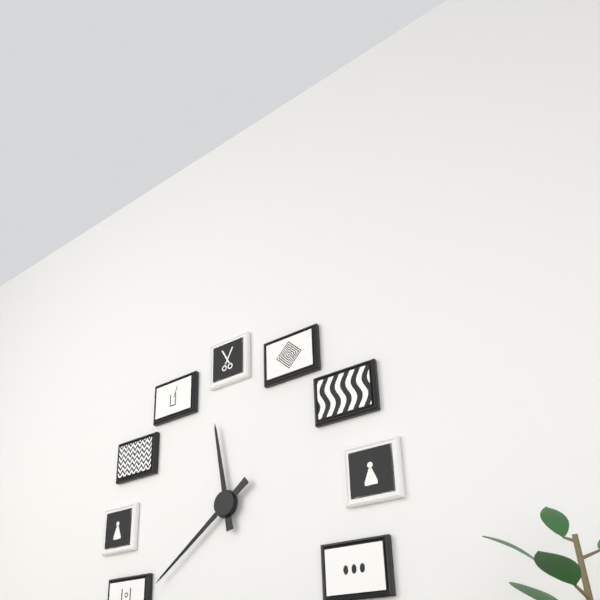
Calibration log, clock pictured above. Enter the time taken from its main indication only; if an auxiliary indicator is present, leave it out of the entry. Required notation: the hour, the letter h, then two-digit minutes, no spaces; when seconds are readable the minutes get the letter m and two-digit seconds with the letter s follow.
11h39
